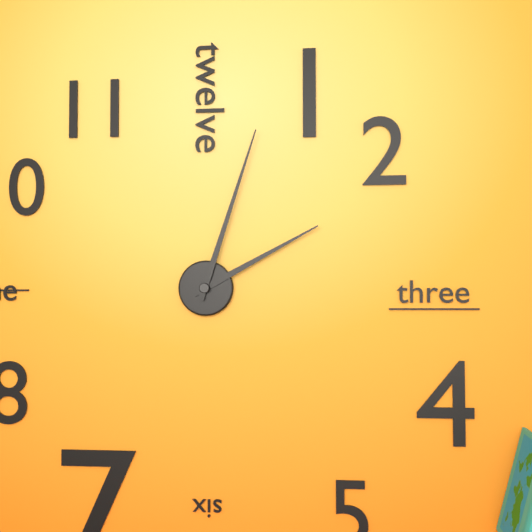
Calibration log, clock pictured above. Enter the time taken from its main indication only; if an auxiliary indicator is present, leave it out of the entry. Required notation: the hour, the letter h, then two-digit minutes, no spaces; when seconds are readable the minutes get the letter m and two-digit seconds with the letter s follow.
2h03
